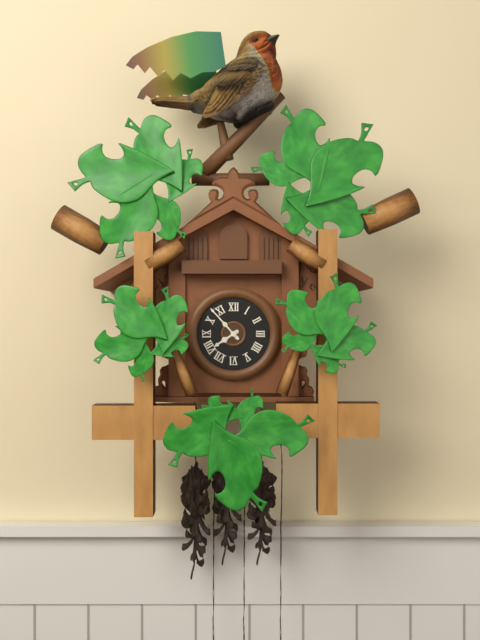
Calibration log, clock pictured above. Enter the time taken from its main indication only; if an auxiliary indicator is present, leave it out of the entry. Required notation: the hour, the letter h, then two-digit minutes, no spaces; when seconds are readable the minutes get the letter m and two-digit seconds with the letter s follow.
7h53
